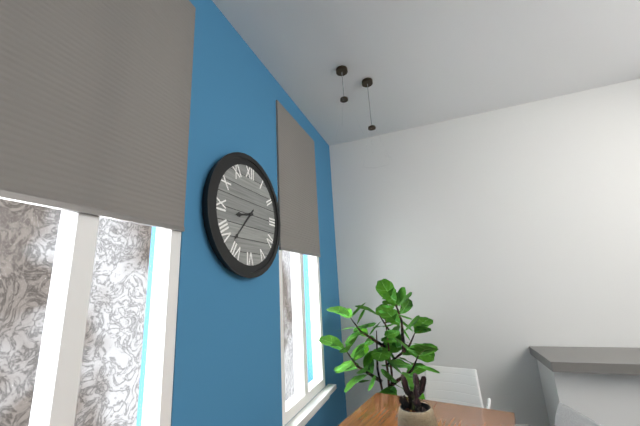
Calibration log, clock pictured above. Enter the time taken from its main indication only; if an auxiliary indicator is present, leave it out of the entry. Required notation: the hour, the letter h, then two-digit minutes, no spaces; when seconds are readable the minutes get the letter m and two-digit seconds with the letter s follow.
8h37
